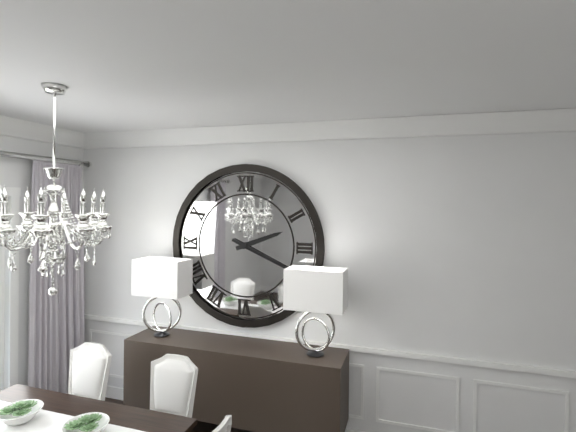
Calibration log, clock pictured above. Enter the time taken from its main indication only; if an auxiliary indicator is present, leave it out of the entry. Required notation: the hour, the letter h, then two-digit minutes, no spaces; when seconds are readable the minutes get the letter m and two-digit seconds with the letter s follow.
2h19
